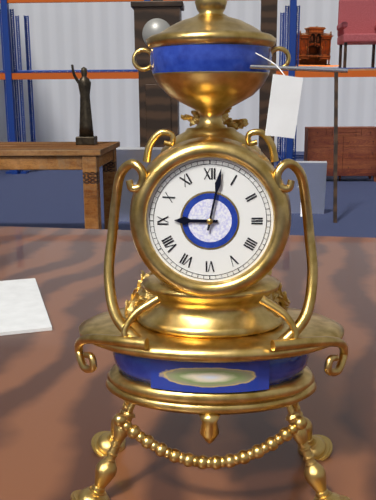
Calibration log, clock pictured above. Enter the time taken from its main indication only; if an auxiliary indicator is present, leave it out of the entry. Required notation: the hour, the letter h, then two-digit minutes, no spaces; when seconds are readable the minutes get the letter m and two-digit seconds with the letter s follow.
9h02
